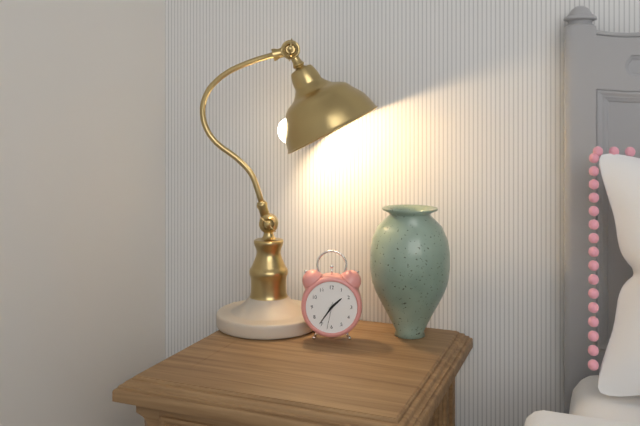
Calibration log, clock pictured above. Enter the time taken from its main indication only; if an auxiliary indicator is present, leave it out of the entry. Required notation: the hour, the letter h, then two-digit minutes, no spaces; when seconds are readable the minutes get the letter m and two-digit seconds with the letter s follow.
1h36
